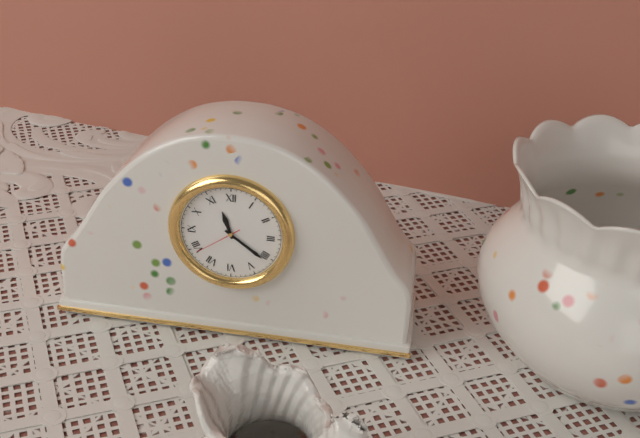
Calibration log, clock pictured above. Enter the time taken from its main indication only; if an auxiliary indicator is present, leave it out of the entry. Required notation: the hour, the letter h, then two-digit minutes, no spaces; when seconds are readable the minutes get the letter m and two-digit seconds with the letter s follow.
11h21
